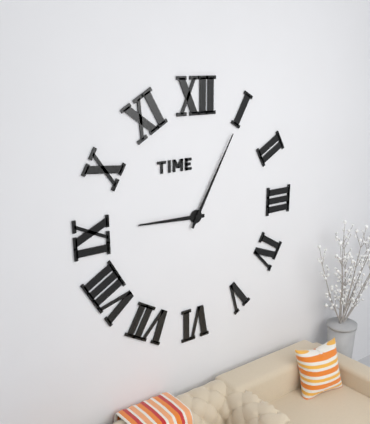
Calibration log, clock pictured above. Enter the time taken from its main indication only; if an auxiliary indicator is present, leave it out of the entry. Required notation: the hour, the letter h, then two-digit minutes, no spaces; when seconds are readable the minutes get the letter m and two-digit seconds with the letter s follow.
9h05
